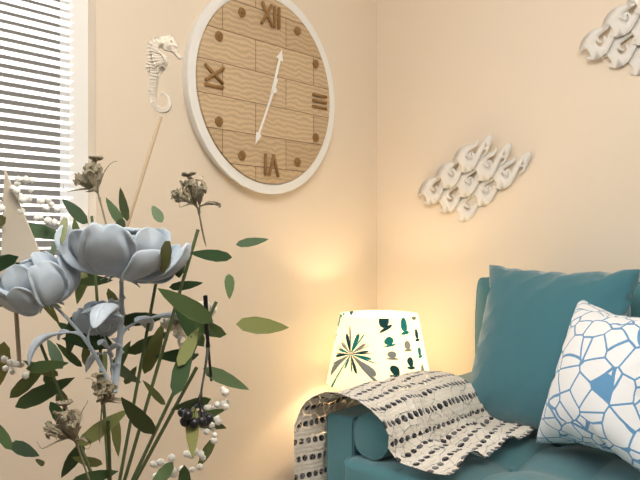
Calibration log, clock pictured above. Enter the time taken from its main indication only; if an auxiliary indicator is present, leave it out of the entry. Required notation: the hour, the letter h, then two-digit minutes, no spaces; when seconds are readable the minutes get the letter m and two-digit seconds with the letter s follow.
12h34
